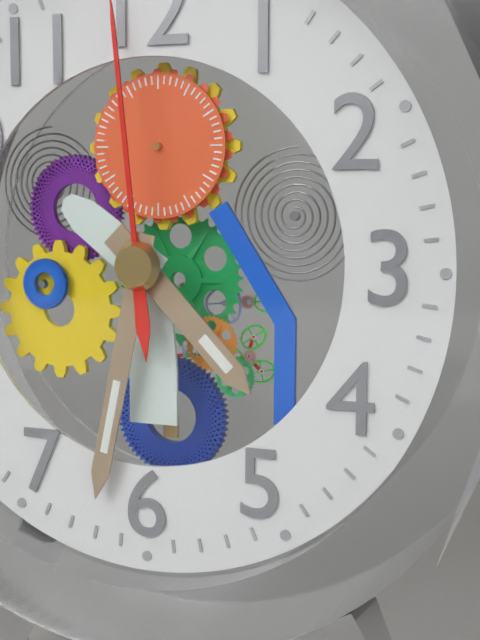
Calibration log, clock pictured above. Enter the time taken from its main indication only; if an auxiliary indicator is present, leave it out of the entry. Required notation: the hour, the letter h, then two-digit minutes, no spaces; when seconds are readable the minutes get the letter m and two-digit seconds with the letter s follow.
4h32
